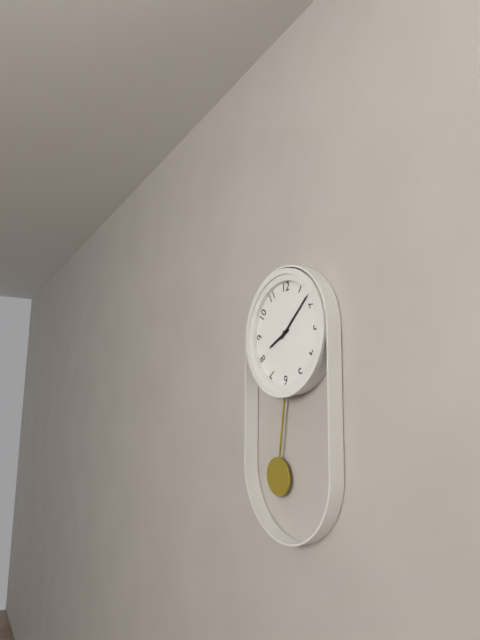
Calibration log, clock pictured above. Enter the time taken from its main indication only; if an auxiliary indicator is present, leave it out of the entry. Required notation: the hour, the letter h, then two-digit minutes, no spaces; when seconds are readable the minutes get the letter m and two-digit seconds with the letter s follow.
8h08
